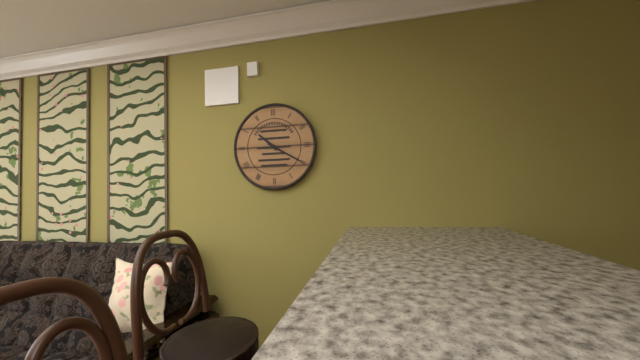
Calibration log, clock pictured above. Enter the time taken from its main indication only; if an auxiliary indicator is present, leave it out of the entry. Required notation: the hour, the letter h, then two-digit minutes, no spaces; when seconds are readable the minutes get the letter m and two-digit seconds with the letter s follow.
10h20
